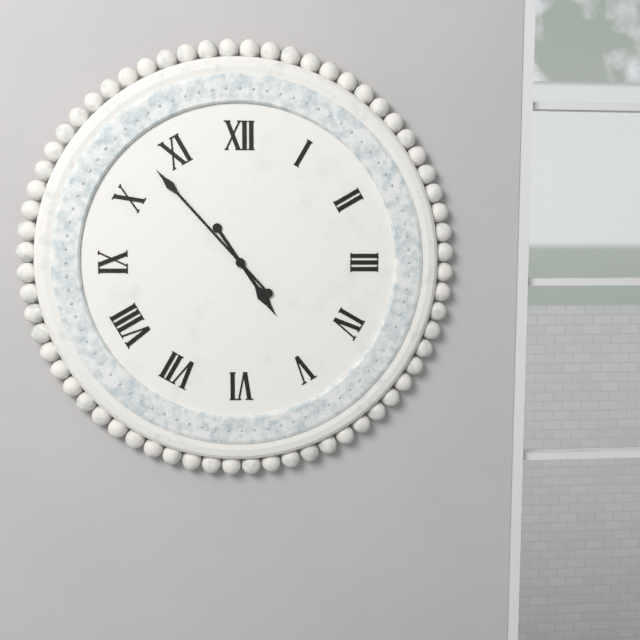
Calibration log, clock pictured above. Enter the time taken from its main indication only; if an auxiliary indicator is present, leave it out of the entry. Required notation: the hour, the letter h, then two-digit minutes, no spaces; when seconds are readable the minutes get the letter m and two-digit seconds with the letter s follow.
4h53
